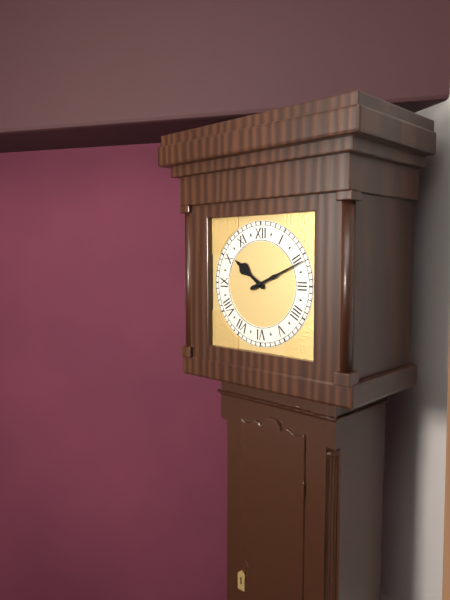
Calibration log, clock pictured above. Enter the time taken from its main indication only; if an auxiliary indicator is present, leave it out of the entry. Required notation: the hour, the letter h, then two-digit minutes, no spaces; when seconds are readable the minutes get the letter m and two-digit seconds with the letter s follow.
10h11
